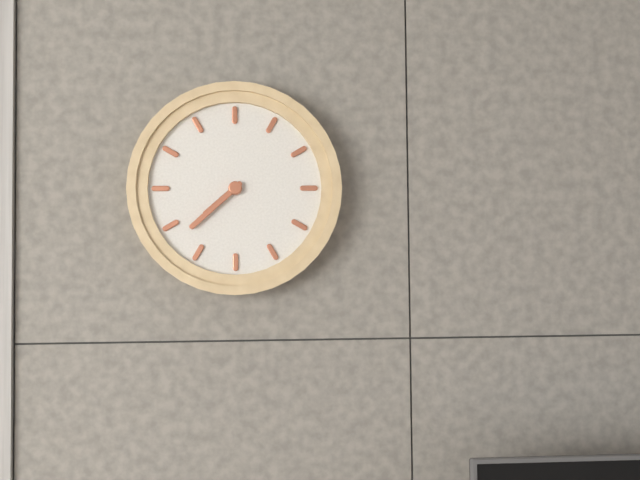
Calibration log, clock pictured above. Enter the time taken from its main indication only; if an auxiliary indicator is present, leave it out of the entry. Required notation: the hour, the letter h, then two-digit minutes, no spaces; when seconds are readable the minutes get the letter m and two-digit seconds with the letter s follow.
7h38
